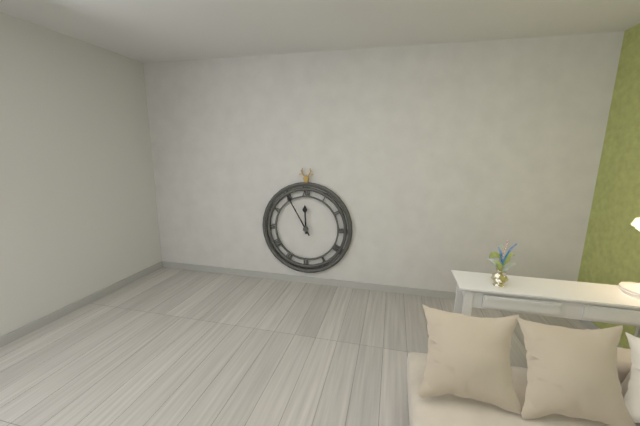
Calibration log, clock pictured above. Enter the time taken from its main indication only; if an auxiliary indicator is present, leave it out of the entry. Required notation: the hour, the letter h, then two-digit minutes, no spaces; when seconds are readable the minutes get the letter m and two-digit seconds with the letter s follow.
11h55
